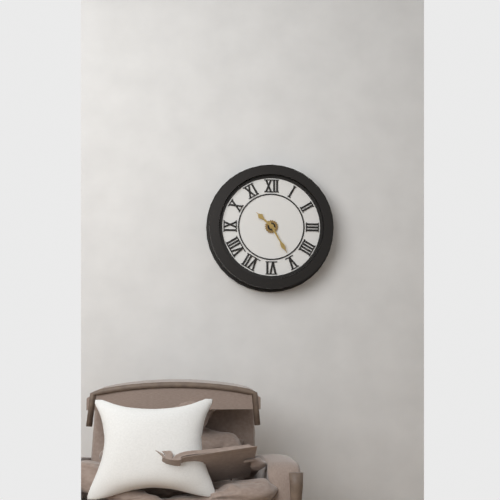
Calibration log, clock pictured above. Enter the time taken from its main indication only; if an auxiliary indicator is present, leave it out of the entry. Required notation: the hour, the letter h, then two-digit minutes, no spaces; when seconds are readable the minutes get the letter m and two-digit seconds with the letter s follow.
10h25
